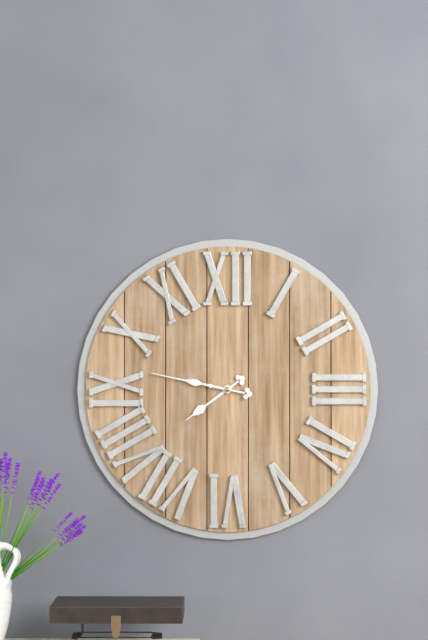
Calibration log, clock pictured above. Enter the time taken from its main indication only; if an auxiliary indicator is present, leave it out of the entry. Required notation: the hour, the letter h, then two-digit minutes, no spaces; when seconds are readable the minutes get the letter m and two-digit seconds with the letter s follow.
7h47
